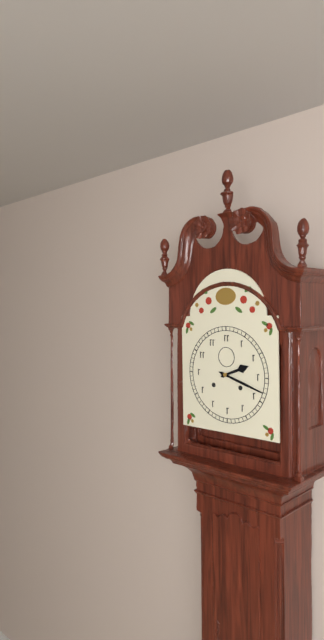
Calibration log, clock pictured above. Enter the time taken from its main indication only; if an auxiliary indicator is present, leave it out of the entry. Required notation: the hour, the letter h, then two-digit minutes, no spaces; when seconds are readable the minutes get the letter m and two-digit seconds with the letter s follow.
2h18
